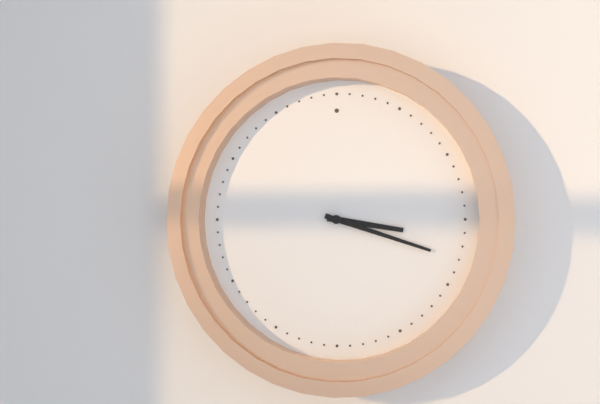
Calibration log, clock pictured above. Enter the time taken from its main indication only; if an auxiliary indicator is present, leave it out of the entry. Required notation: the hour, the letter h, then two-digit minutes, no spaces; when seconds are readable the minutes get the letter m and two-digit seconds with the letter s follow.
3h18
